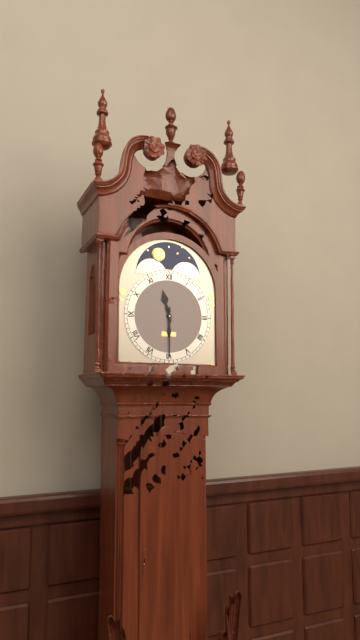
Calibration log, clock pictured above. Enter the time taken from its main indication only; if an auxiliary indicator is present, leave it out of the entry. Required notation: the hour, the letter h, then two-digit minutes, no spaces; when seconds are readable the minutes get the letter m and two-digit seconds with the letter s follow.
11h30
